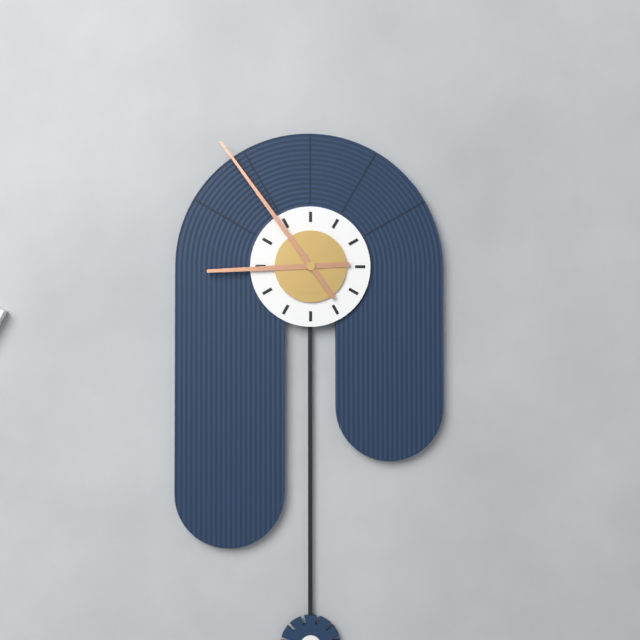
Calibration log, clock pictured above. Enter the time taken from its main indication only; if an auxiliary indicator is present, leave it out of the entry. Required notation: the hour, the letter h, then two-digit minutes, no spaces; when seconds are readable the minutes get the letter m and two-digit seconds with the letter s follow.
8h54
